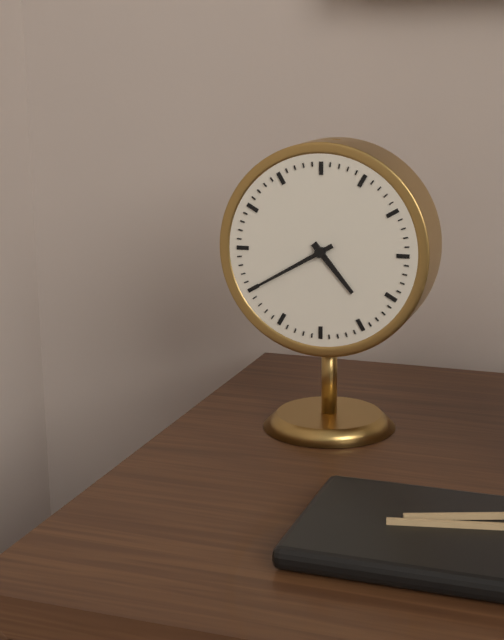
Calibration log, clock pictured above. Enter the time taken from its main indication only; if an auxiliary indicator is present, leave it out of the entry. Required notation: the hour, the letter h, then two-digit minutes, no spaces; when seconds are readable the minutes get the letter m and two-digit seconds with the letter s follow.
4h40
